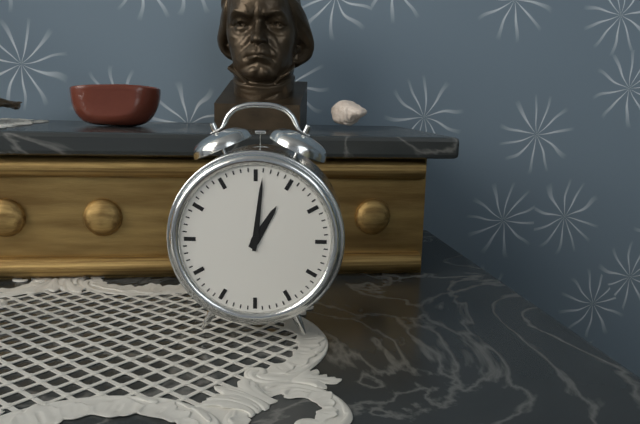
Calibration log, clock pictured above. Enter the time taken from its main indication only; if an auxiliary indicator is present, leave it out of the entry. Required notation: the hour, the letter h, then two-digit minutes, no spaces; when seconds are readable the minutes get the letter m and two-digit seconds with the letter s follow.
1h01
